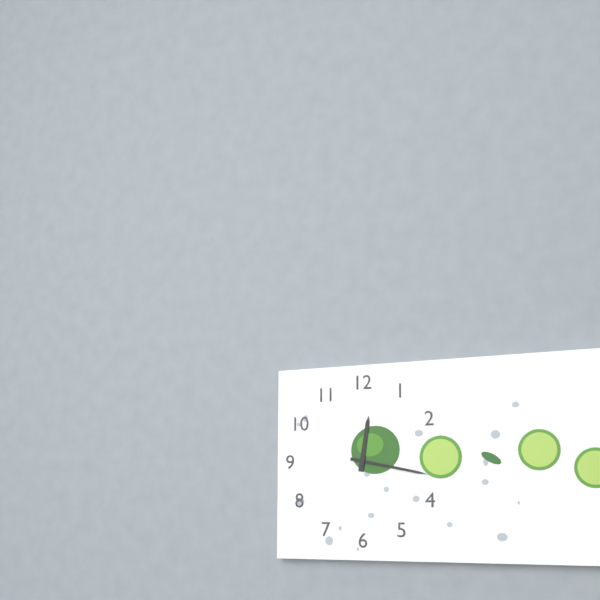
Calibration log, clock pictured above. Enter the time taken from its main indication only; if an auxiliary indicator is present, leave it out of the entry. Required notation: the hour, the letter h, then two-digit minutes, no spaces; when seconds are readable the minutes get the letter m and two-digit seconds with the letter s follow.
12h17
